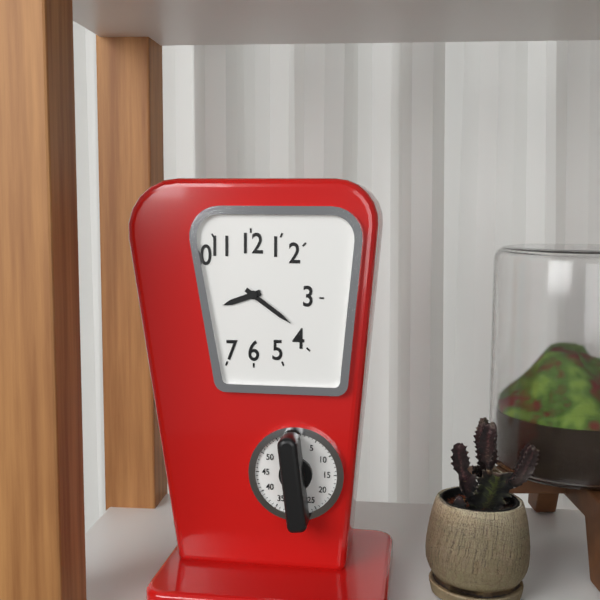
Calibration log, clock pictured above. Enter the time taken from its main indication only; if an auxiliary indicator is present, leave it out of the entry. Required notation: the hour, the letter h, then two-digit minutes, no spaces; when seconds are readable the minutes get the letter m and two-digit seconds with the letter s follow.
8h21
